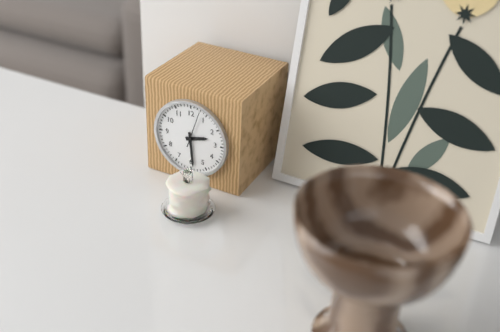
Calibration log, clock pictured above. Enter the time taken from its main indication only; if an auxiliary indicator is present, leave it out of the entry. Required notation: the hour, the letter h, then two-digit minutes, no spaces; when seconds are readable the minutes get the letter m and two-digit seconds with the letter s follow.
2h29
